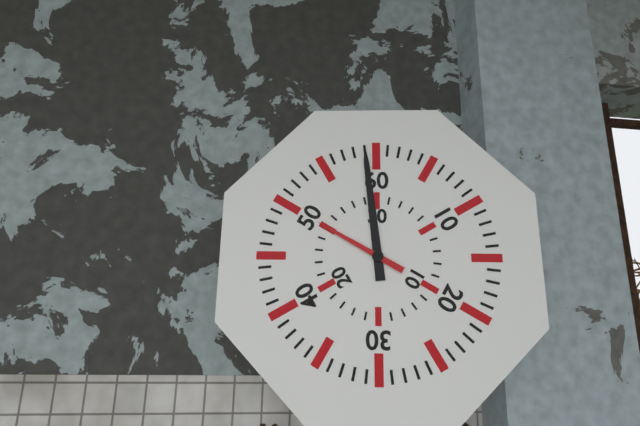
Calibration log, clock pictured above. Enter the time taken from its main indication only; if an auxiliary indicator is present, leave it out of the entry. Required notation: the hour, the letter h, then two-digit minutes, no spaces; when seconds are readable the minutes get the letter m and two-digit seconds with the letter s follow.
9h59
